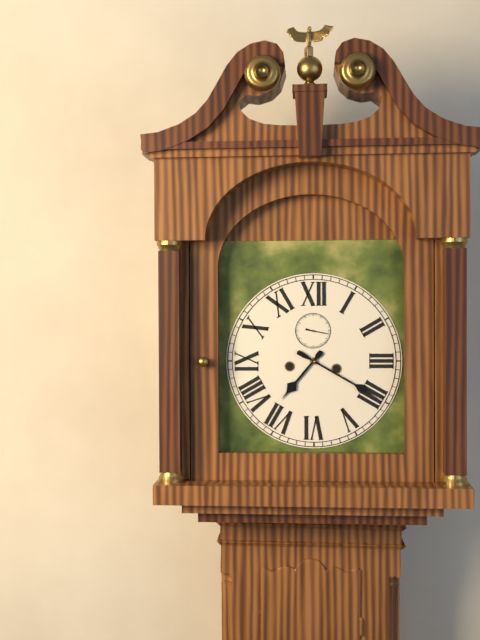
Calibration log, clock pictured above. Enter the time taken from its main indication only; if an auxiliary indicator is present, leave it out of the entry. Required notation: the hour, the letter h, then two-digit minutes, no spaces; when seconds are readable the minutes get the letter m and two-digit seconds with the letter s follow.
7h20
